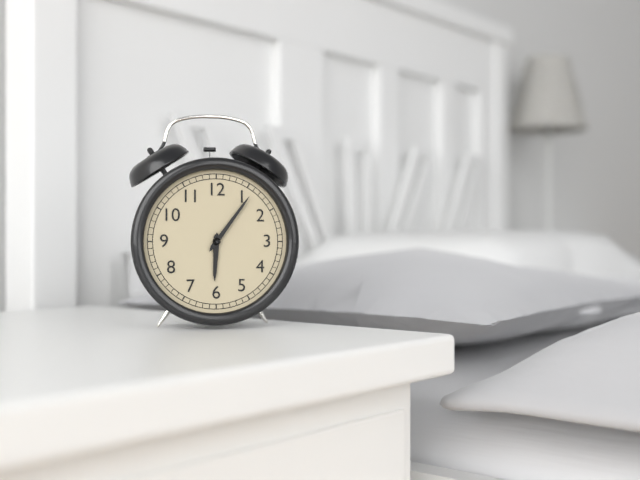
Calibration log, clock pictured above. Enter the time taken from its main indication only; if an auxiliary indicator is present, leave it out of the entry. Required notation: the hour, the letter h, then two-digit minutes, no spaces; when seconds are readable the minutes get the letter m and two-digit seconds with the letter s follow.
6h06
